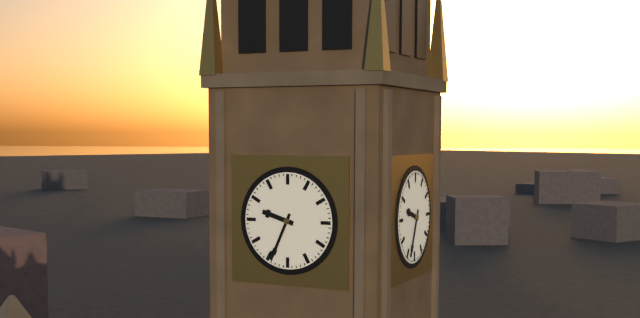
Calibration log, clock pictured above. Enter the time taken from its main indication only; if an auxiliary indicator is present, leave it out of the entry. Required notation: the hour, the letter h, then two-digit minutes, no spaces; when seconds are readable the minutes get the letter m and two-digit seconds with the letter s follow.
9h34
